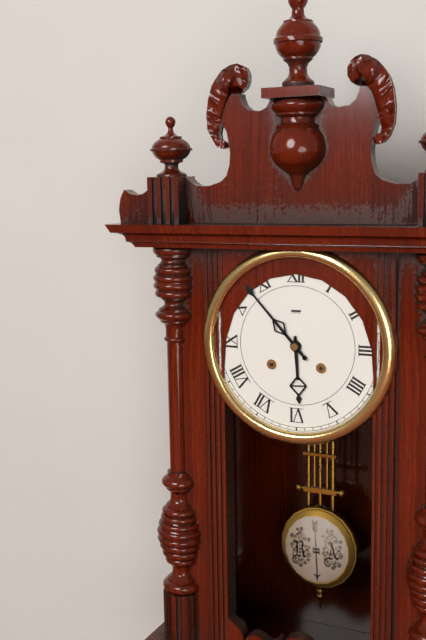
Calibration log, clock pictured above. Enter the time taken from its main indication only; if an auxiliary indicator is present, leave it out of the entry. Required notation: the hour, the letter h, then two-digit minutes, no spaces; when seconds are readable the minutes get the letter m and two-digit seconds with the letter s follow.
5h53
